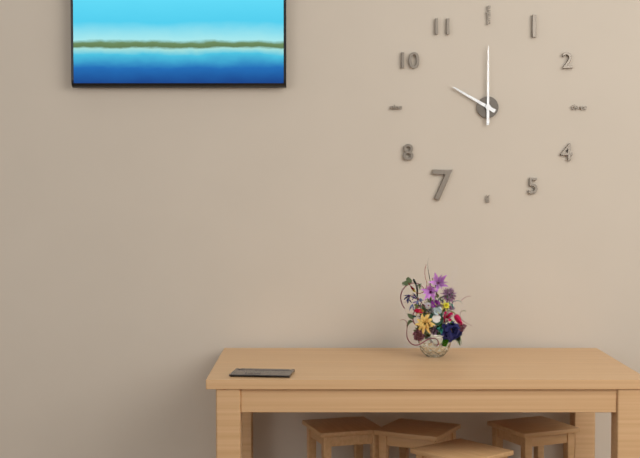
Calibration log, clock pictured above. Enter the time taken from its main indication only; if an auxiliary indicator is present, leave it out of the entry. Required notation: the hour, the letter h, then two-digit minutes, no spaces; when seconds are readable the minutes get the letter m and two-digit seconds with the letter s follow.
10h00
